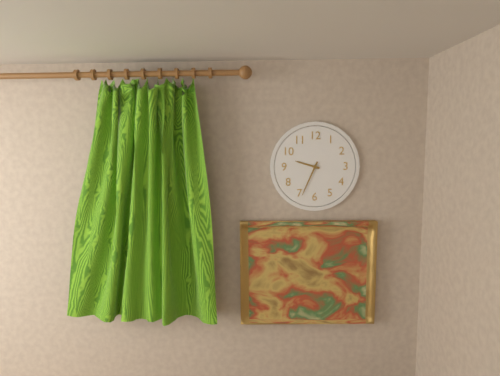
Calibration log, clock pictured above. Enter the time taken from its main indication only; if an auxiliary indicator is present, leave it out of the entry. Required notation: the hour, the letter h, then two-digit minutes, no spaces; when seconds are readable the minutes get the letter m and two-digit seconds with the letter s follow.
9h34
